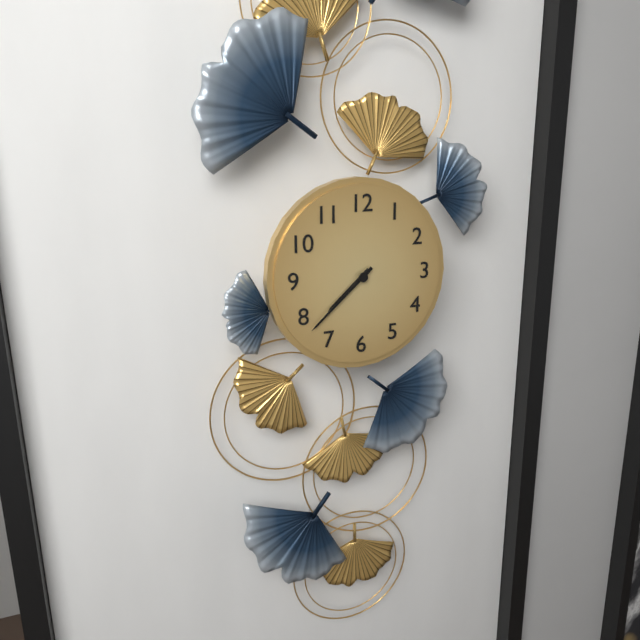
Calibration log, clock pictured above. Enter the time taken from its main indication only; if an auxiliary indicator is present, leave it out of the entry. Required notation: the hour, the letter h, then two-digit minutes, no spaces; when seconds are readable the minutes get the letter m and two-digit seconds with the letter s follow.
7h38
